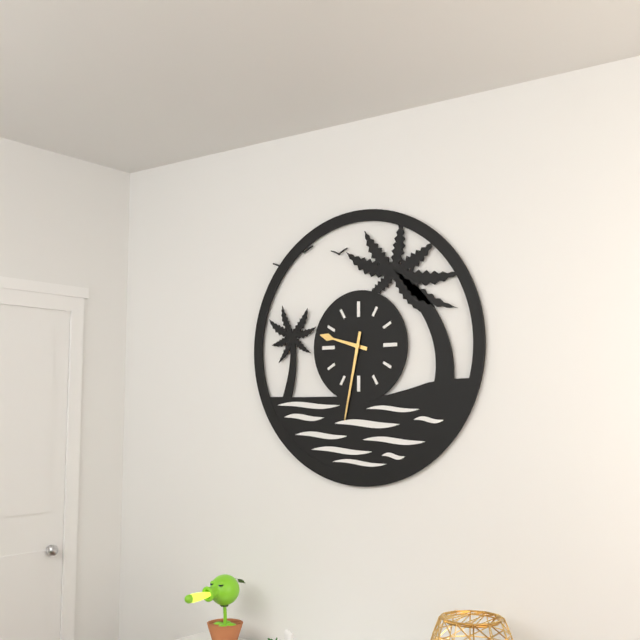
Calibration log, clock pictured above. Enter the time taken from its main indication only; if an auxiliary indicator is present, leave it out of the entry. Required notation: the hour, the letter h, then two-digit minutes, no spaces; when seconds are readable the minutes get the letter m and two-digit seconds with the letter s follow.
9h32
